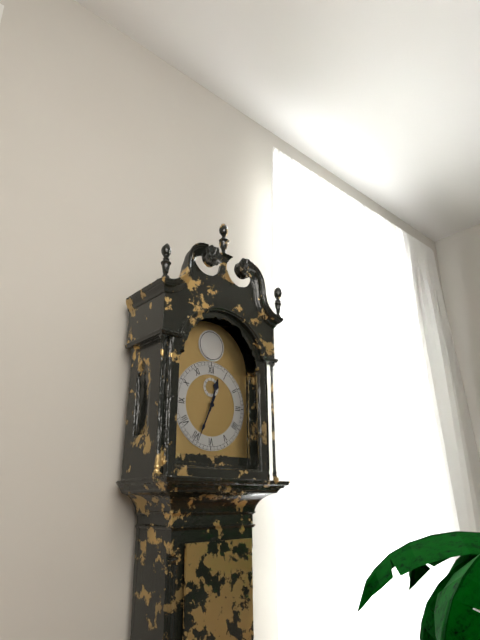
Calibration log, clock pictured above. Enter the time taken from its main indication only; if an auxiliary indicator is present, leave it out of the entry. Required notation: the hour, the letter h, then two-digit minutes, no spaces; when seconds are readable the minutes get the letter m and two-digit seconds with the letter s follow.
12h34
